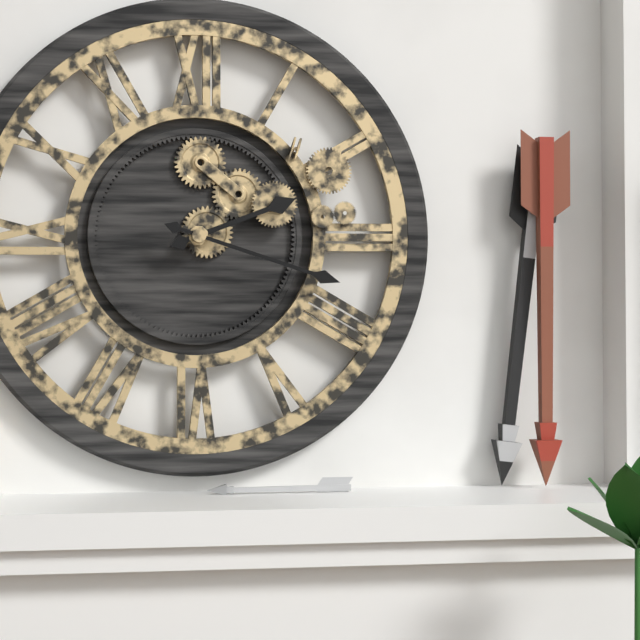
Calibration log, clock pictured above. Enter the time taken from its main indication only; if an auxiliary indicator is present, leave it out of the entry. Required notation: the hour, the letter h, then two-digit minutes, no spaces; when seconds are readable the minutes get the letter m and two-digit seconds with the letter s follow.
2h18
